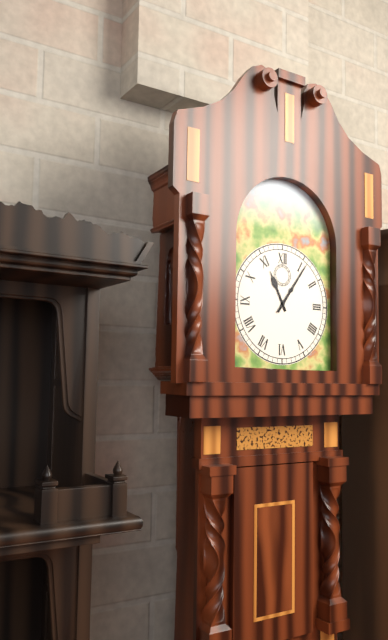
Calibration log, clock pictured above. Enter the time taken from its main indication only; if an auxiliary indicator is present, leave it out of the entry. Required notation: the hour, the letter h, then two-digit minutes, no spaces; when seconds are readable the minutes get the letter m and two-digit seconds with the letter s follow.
11h06
